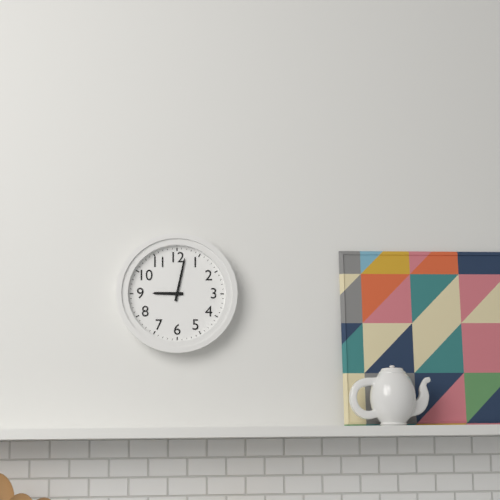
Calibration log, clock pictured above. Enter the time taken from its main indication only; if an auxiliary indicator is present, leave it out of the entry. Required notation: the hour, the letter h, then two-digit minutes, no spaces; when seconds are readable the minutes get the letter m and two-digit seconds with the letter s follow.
9h02
